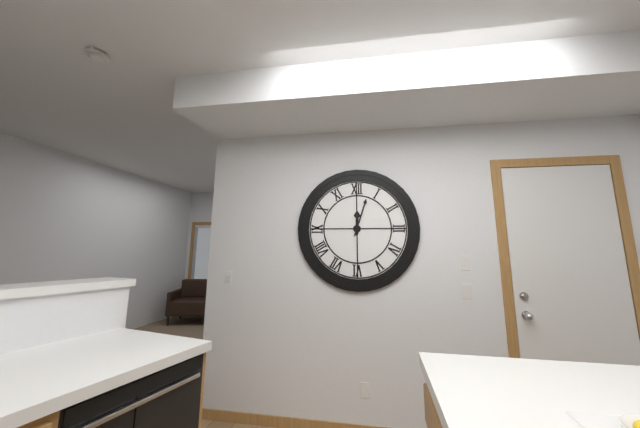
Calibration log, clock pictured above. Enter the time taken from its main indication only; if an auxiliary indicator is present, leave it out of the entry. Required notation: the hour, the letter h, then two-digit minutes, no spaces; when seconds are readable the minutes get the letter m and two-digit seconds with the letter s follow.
12h03
